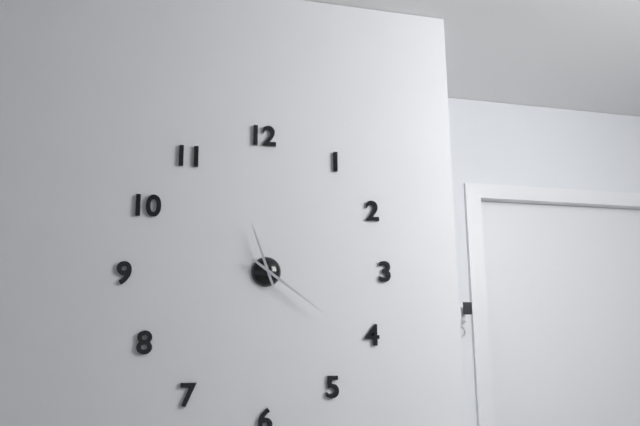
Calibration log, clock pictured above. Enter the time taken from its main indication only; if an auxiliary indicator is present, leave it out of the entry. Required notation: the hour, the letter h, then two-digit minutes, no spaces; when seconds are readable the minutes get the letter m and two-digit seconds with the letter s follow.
11h21
